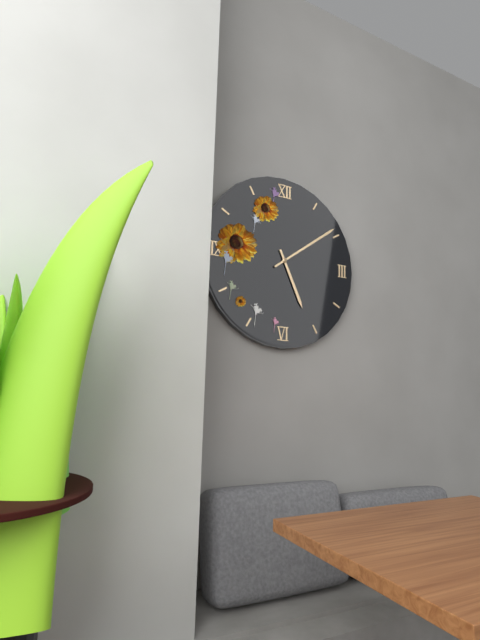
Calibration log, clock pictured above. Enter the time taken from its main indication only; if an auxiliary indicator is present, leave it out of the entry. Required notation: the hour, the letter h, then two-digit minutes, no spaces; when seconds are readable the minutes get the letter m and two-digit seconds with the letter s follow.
5h09
